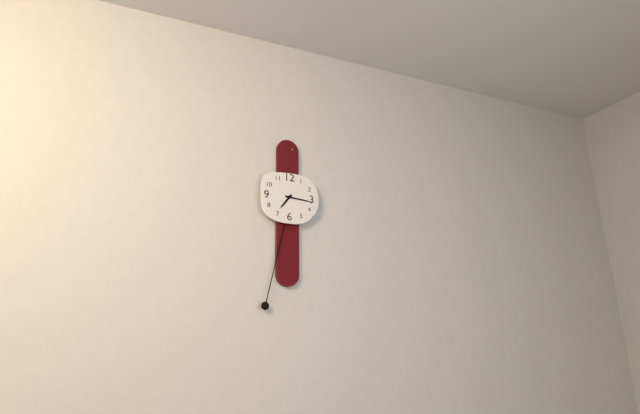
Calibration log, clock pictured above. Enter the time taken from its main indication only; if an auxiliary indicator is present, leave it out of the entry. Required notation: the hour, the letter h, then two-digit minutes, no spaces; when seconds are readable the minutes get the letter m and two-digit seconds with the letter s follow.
7h16
